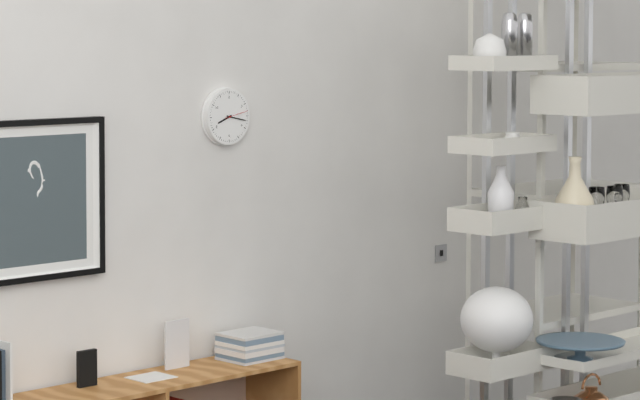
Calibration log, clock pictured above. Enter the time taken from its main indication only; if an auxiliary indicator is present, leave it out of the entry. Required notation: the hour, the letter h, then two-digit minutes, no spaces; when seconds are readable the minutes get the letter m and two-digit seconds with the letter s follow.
8h17
